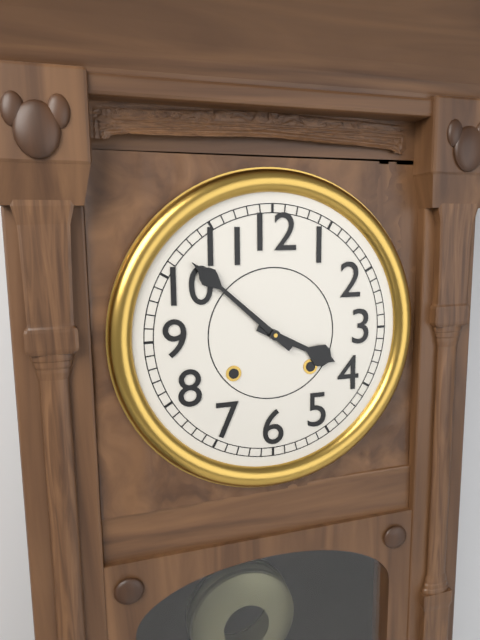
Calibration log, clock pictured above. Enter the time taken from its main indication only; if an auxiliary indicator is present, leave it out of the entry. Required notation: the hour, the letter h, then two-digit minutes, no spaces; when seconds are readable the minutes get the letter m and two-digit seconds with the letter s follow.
3h52
